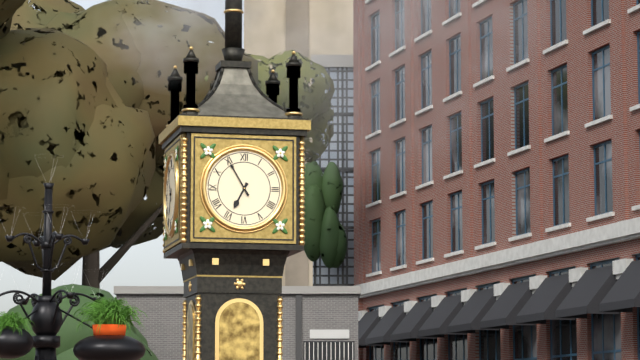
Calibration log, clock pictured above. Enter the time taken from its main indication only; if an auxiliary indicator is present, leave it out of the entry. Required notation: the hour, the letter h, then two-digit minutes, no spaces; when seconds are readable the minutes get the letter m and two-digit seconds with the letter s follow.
6h55
